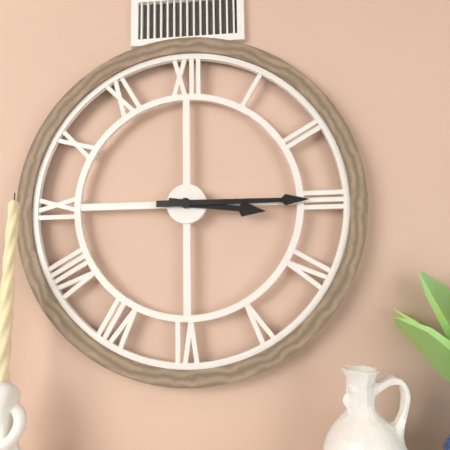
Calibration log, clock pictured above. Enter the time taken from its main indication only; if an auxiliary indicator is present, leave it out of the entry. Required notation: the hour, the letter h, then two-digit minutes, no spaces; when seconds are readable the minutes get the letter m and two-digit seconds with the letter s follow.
3h15
